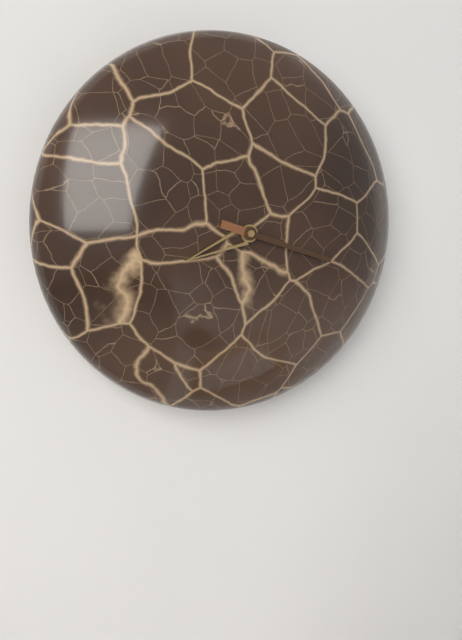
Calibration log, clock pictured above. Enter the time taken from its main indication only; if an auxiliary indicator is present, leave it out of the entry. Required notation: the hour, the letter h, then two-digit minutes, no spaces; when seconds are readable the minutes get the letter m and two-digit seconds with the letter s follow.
8h18
